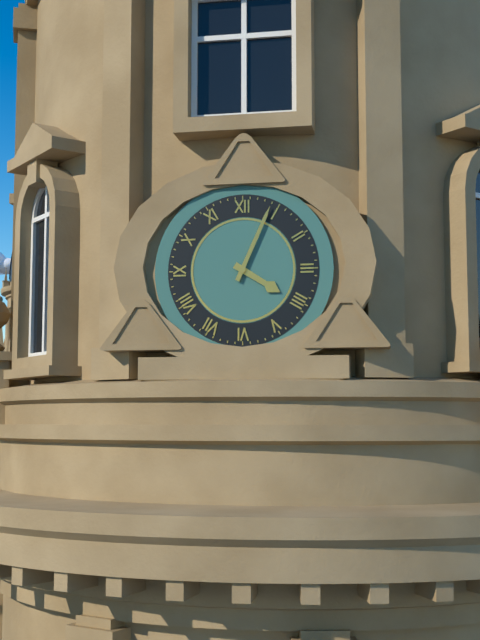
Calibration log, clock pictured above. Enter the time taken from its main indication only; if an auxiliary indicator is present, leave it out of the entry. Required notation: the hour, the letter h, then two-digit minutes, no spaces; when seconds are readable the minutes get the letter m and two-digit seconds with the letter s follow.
4h04
